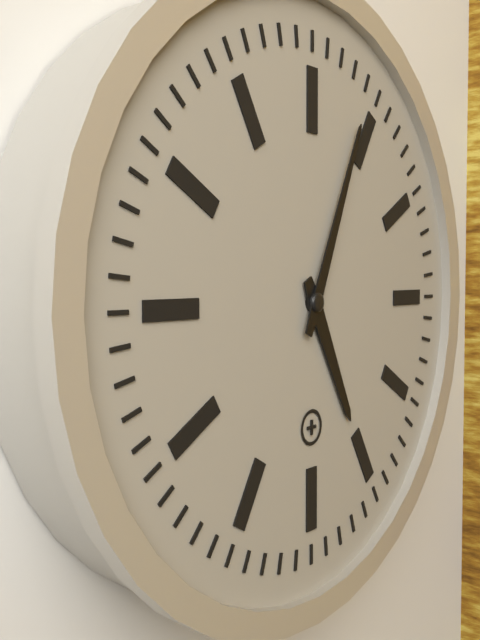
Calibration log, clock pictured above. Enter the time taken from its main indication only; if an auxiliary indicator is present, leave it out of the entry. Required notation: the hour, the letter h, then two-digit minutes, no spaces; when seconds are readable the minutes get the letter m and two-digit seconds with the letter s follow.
5h04
